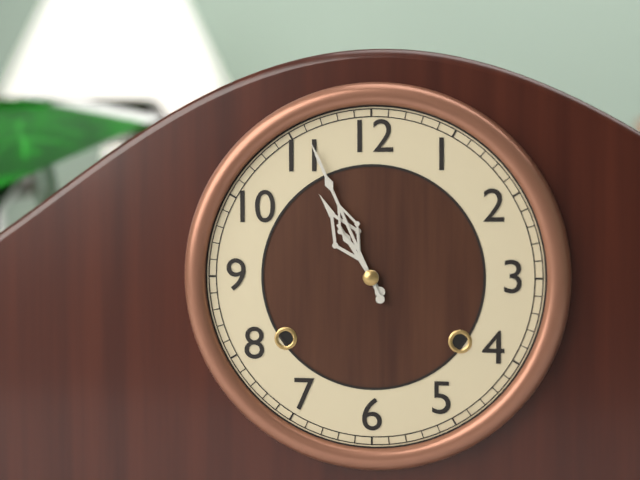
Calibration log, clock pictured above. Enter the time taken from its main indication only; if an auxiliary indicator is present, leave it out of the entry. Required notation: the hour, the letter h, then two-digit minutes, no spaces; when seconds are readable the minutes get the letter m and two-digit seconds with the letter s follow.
10h56
